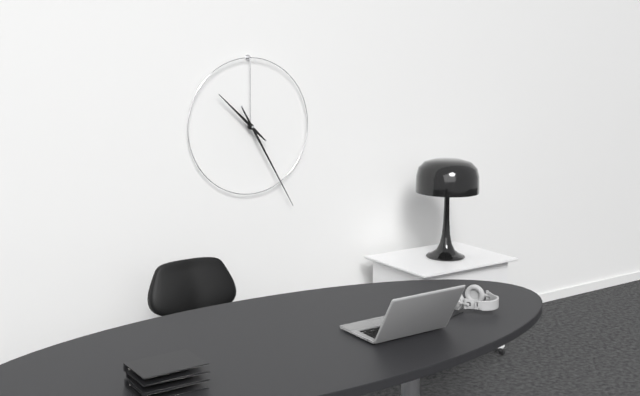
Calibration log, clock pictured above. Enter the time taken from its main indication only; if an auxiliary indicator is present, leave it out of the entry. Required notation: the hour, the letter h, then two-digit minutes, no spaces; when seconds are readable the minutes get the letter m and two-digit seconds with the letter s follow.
10h25
